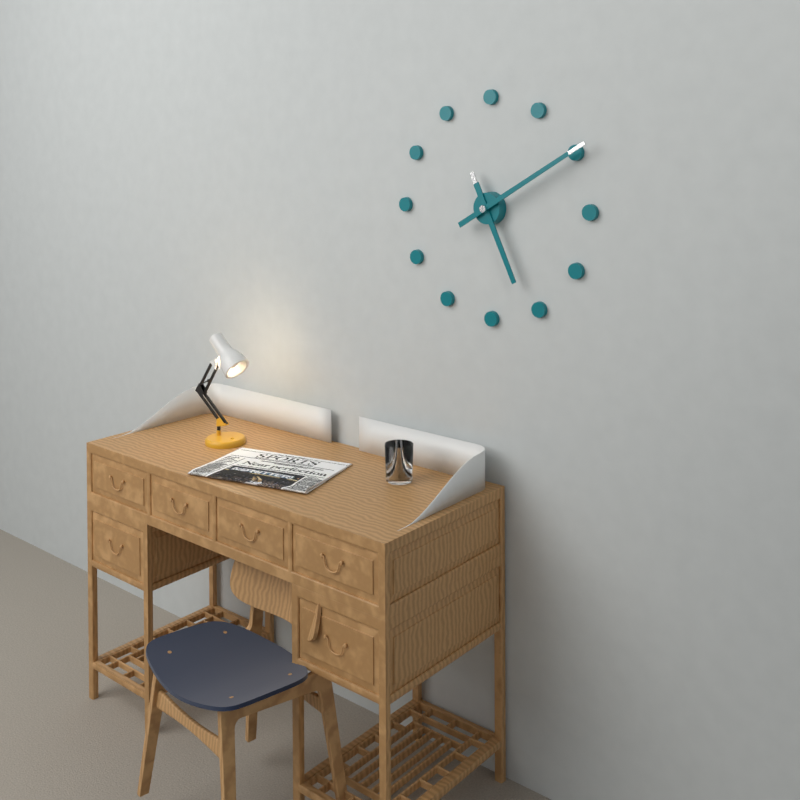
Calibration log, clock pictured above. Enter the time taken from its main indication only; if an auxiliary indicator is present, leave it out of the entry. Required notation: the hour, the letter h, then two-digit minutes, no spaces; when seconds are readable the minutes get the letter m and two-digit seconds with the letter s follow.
5h10
